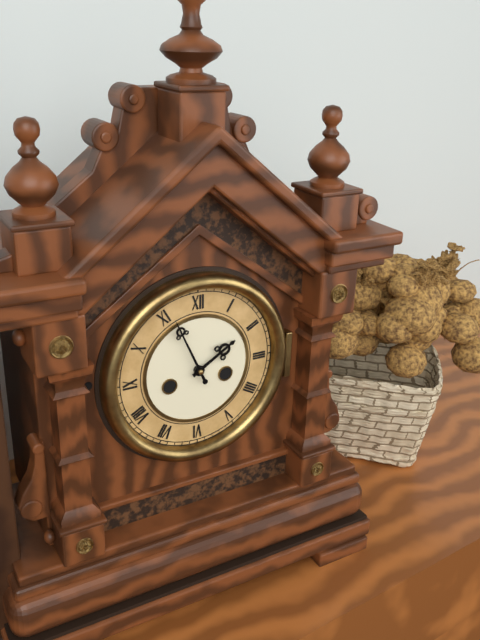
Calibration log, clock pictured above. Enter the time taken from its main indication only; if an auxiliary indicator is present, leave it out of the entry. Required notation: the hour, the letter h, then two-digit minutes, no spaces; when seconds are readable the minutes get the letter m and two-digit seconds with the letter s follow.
1h56
